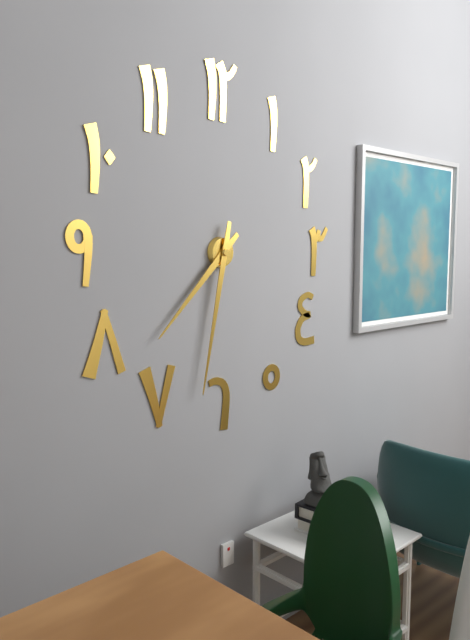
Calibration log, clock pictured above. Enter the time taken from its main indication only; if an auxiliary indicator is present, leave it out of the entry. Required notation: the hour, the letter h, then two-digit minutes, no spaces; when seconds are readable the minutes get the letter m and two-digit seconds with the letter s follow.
7h32
